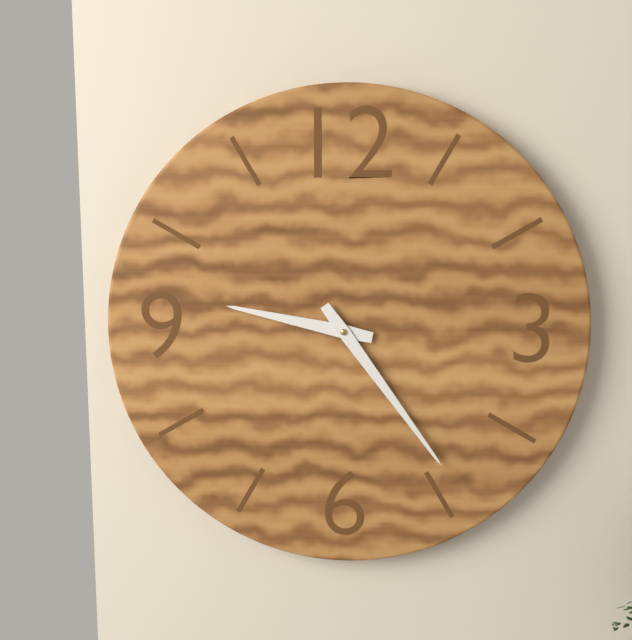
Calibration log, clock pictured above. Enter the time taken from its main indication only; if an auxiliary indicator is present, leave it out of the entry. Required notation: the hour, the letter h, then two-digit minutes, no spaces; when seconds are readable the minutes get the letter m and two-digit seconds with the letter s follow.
9h24
